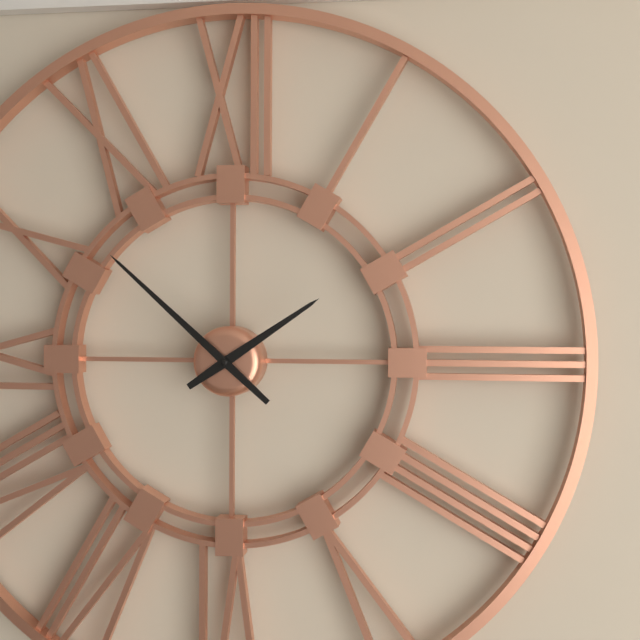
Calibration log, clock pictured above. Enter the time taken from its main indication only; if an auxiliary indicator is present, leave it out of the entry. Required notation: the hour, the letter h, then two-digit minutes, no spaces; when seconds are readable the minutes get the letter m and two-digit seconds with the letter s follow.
1h52
